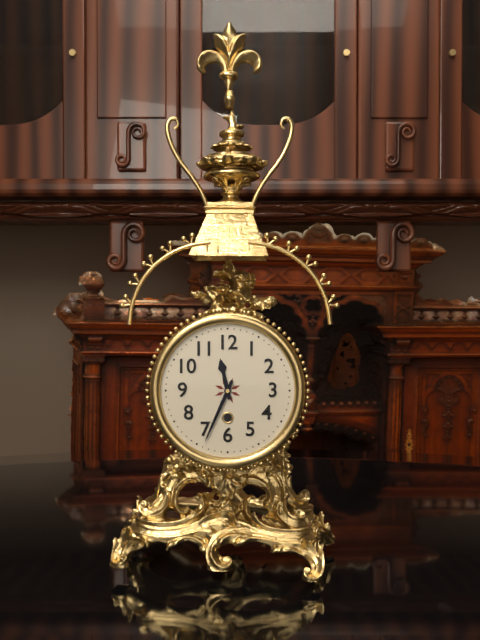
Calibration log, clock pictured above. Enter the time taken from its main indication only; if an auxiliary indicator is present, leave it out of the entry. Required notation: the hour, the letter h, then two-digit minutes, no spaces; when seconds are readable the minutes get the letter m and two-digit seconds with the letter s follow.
11h34
